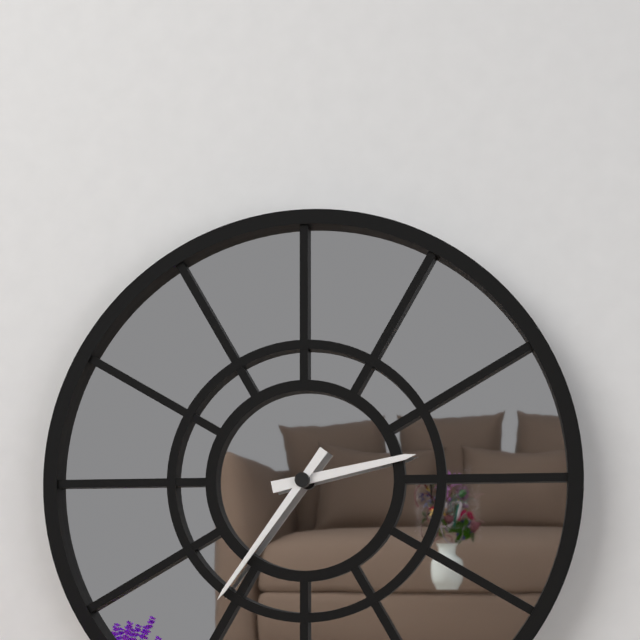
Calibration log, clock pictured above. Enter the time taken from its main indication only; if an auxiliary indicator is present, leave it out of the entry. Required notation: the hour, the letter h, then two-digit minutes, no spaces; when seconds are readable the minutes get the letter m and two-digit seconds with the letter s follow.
2h36
